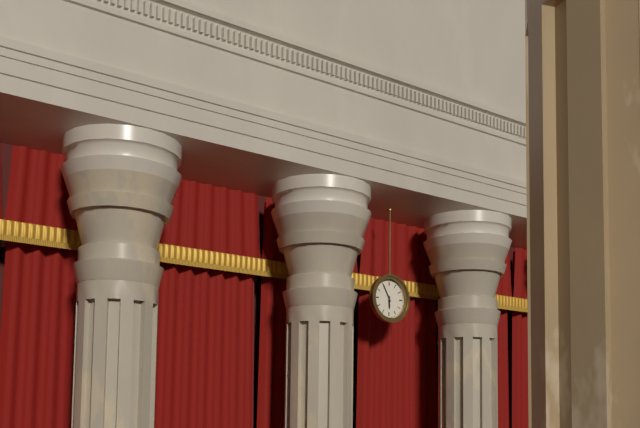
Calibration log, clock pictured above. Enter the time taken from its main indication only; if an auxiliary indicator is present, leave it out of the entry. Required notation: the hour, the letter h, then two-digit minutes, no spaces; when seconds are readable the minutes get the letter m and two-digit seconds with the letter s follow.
5h55
